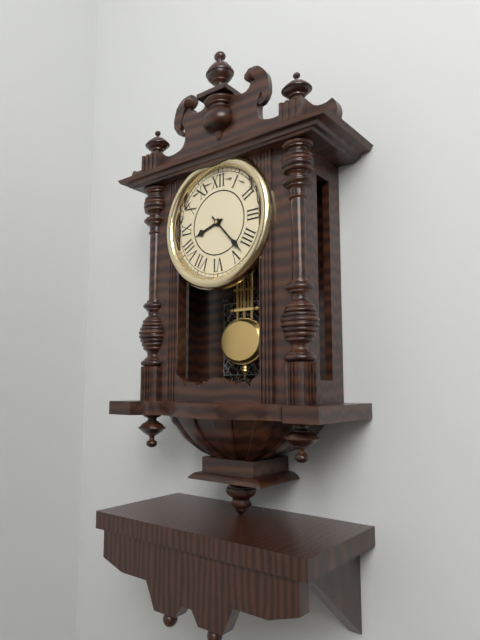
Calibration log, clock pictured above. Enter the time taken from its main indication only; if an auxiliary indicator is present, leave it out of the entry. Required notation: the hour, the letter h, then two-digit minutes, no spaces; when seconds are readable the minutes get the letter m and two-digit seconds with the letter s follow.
8h23
